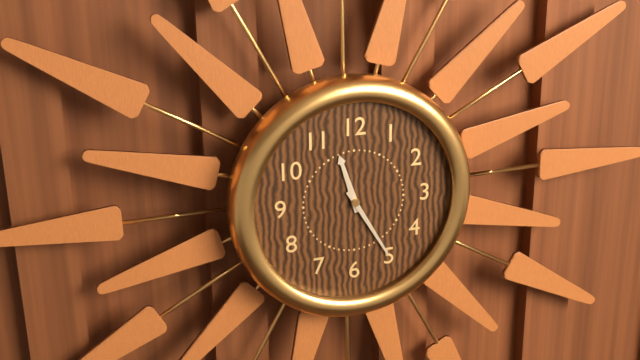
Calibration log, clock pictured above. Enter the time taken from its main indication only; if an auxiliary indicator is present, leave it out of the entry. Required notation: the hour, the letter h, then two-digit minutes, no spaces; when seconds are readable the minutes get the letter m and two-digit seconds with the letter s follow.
11h25
